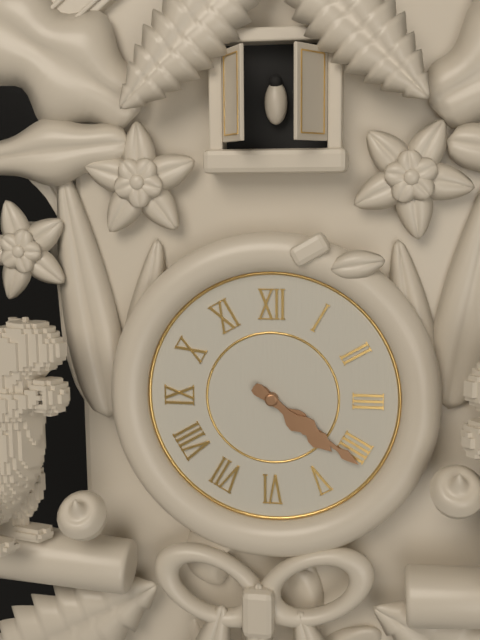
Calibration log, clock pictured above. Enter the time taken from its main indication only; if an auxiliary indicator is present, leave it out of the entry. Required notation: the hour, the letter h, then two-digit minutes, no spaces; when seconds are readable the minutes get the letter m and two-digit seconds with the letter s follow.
4h21
